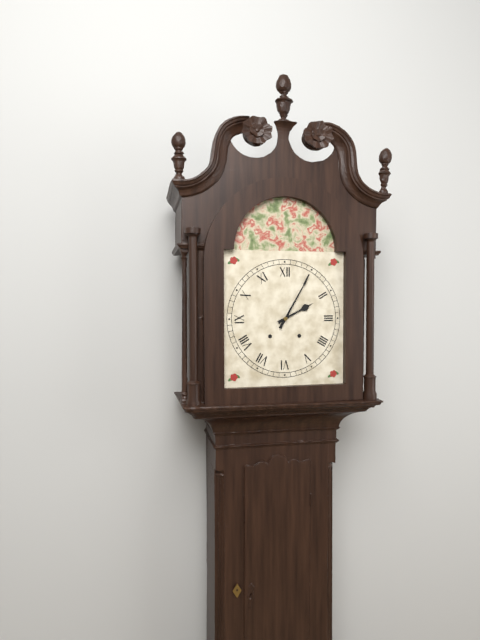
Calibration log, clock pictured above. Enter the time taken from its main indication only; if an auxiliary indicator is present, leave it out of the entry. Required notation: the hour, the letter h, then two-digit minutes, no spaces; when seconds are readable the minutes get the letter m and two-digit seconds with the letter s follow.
2h05
